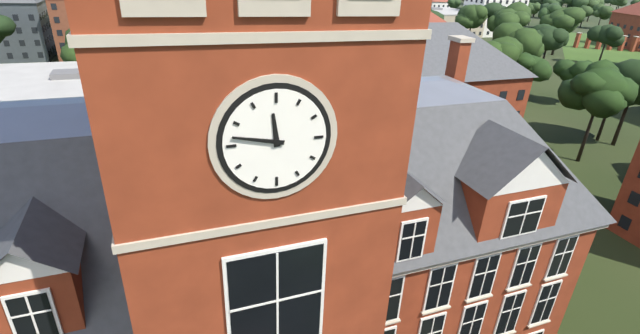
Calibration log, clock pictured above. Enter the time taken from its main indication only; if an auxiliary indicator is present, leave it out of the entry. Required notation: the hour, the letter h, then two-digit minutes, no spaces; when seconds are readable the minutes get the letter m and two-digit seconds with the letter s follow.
11h47
